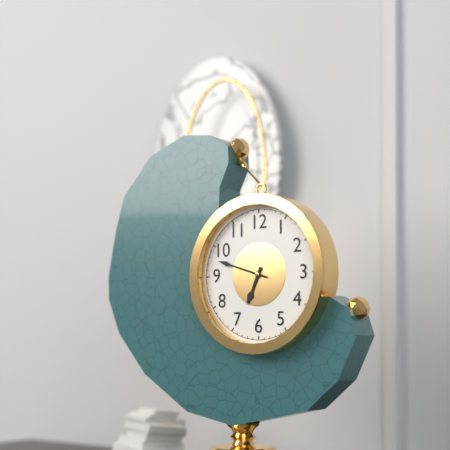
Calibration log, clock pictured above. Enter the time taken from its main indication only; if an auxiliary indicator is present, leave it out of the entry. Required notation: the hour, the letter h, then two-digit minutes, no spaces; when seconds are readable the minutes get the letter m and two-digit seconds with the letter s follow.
6h48
